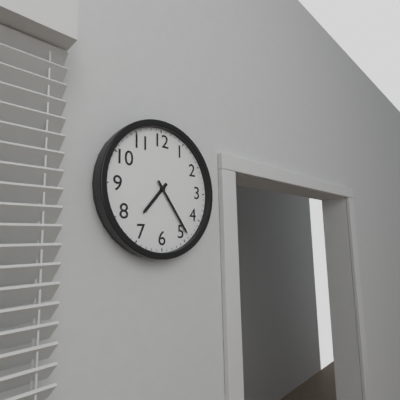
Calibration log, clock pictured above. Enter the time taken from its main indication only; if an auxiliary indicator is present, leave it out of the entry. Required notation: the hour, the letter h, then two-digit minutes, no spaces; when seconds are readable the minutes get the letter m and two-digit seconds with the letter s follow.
7h24
